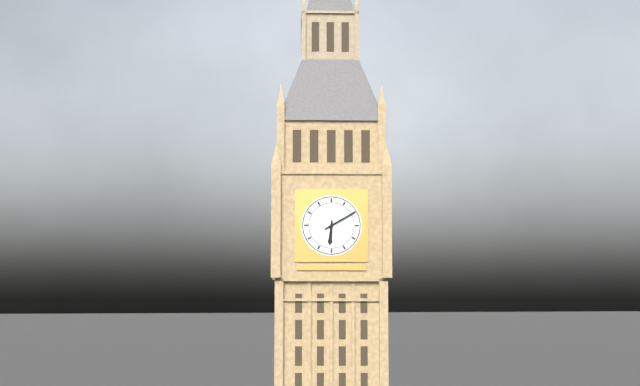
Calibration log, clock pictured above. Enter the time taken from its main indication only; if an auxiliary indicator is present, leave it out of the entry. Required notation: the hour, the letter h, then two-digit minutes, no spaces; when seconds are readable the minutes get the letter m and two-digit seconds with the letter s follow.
6h10
